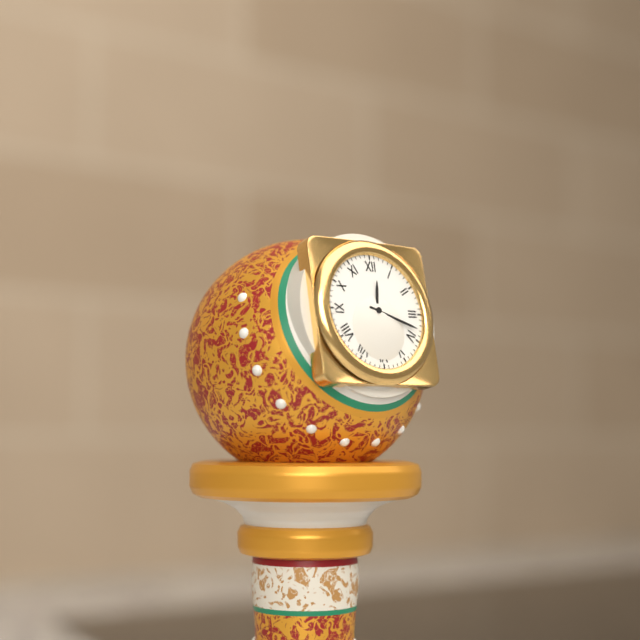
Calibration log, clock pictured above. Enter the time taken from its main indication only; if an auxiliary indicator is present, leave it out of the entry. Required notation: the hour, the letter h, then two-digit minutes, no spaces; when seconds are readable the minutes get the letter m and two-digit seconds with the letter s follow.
12h18
